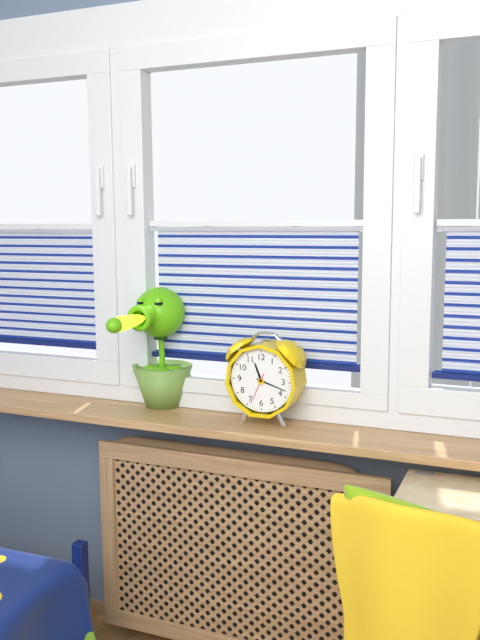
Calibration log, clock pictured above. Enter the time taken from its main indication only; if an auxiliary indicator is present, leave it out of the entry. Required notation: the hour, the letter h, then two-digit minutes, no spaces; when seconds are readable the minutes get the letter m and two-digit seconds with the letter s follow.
11h18
